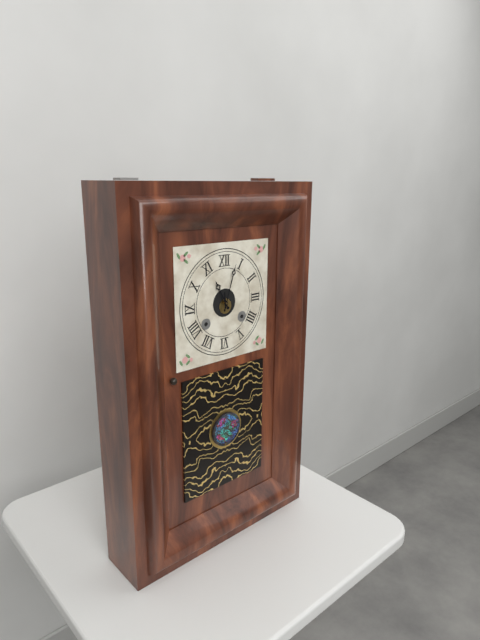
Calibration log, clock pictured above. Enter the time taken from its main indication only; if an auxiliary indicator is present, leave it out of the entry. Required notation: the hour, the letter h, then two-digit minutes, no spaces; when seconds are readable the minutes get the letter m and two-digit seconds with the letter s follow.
11h03
